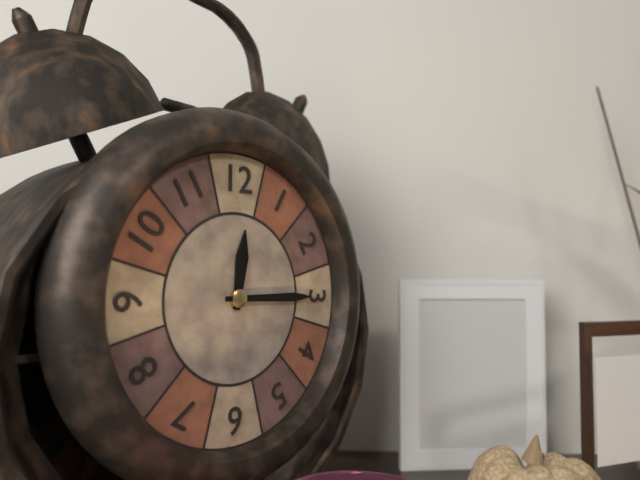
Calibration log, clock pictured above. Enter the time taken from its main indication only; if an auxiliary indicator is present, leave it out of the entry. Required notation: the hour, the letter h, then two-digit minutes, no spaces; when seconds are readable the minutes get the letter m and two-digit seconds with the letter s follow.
12h15
